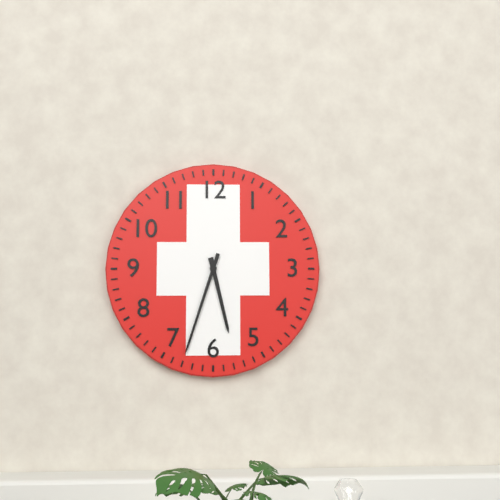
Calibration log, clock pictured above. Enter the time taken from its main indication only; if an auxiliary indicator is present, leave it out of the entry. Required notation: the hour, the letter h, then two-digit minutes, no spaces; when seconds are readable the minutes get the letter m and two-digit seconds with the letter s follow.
5h33
